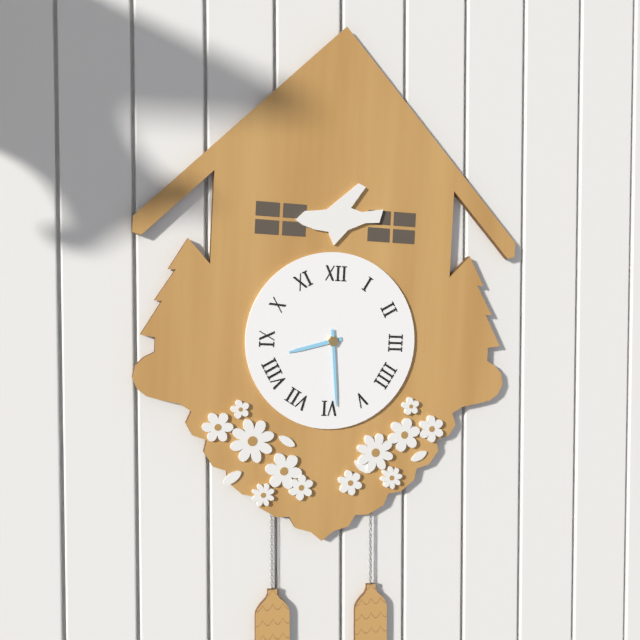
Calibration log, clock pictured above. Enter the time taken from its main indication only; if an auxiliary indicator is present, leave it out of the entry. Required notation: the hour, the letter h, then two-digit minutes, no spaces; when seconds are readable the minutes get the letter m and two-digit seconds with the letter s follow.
8h29
